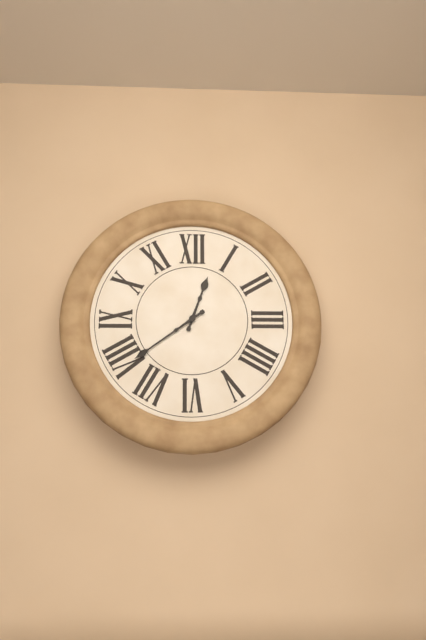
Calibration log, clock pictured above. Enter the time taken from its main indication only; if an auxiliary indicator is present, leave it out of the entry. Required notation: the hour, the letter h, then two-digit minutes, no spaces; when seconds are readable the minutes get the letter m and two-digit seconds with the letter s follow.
12h39
